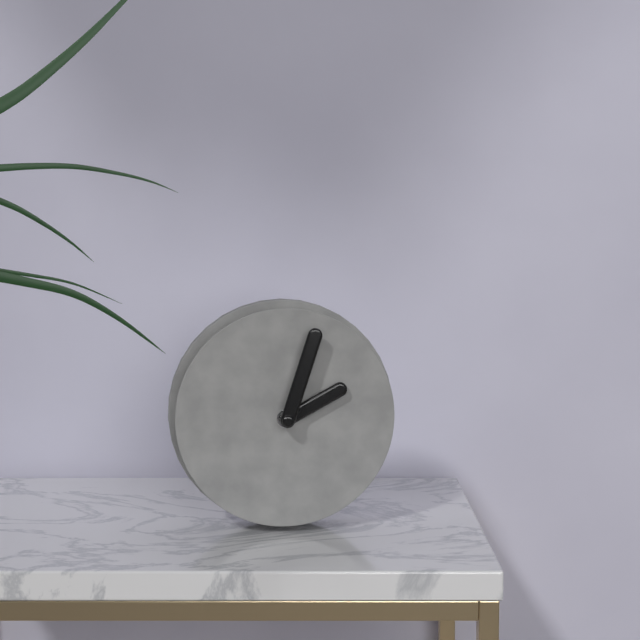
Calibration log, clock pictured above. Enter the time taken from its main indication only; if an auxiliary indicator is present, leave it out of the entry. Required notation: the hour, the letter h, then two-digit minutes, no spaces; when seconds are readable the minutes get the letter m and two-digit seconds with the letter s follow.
2h03
